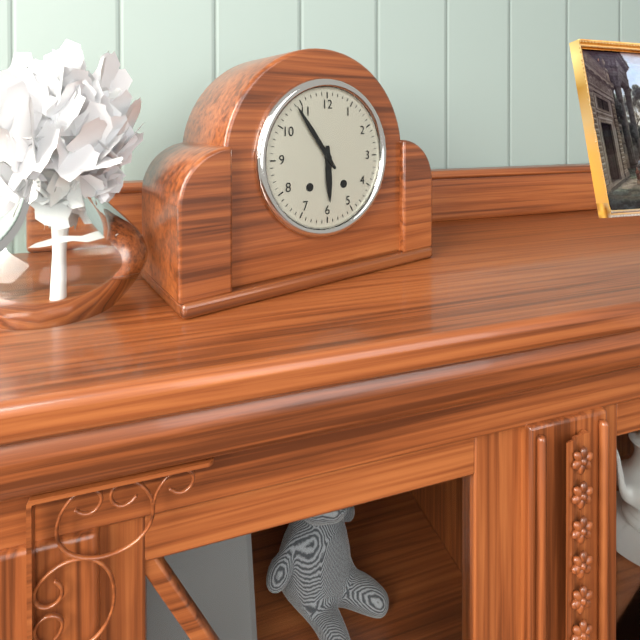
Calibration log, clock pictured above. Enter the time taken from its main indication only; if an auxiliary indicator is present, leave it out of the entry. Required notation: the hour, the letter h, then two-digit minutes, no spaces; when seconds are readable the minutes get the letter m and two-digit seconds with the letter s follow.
5h54
